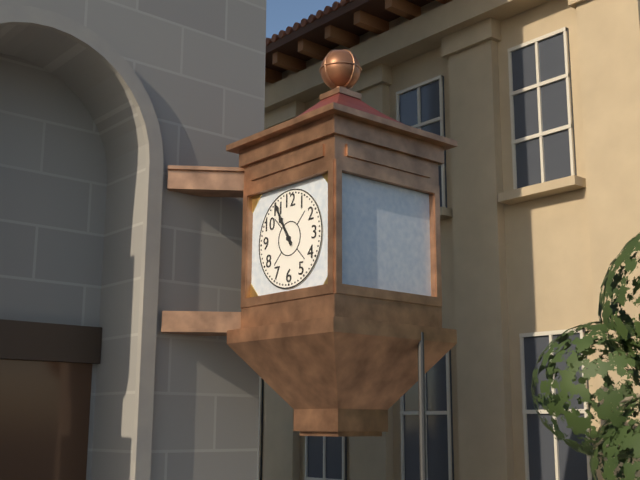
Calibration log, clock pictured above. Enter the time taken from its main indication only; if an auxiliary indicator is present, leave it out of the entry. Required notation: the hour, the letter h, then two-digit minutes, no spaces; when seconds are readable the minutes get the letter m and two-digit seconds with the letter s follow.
10h55
